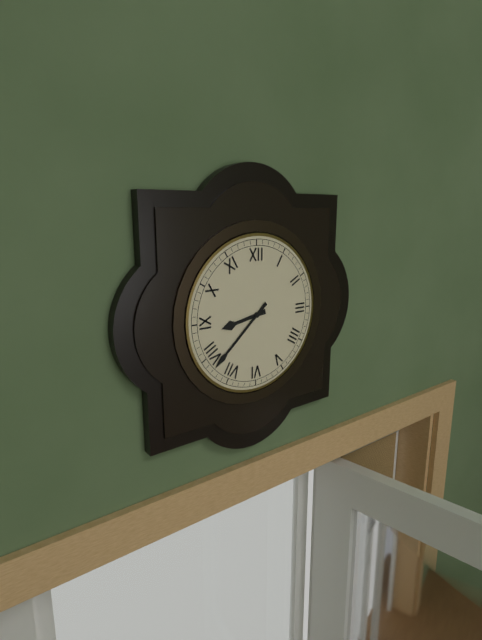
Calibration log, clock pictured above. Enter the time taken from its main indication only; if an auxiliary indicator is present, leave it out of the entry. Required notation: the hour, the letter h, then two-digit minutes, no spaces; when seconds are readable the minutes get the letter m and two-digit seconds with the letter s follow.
8h38
